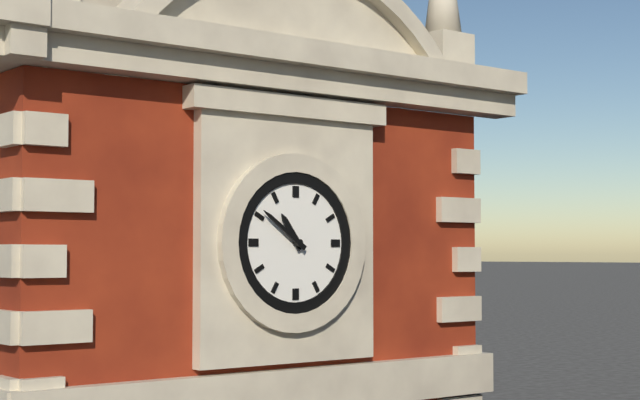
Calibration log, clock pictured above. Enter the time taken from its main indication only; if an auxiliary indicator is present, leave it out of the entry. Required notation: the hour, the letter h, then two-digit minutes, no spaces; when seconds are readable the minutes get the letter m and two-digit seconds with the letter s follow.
10h51
